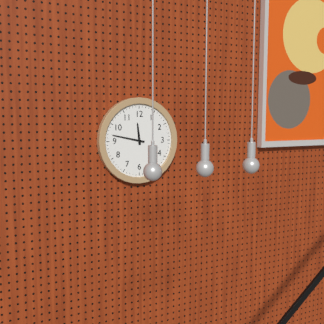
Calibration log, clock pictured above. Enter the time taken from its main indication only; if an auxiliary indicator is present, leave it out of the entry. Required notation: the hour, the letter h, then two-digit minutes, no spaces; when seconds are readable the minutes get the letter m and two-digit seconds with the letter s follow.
11h47
